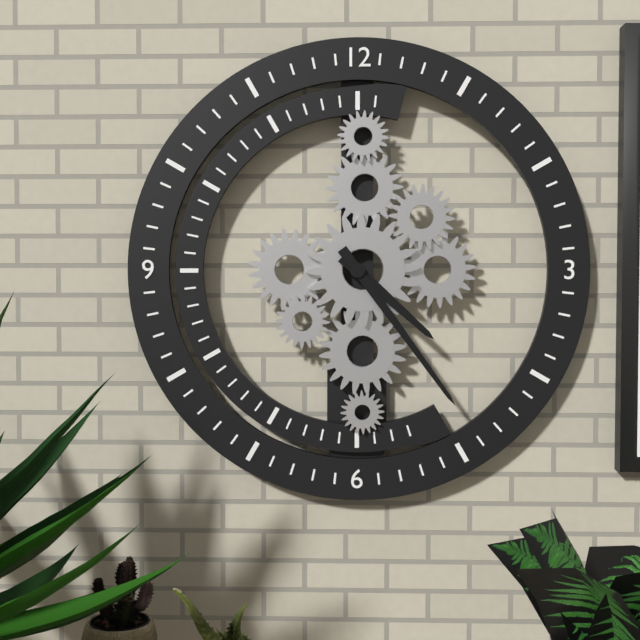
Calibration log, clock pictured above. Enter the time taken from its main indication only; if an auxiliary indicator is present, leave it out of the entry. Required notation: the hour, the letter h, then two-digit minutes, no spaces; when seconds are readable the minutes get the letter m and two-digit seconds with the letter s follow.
4h24
